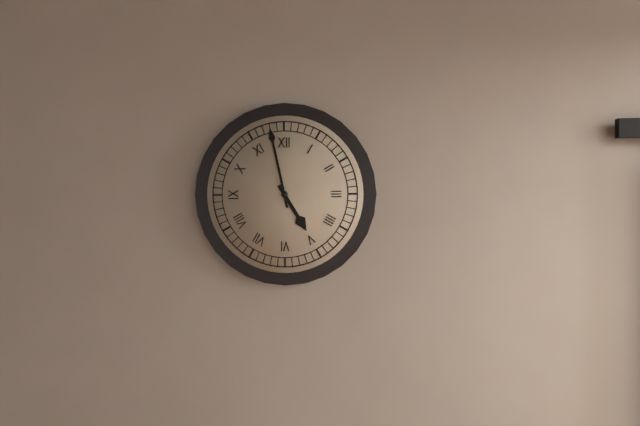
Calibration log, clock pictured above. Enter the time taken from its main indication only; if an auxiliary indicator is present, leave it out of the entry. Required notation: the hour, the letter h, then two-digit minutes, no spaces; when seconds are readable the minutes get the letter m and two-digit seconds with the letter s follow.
4h58
